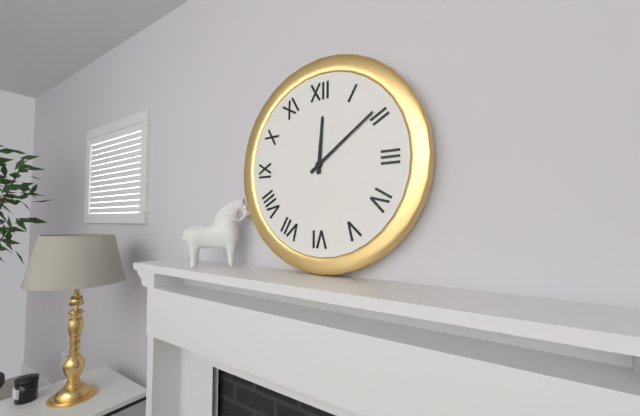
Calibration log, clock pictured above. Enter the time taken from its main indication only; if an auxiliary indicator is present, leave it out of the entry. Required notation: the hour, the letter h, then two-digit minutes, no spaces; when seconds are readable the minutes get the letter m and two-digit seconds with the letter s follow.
12h09
